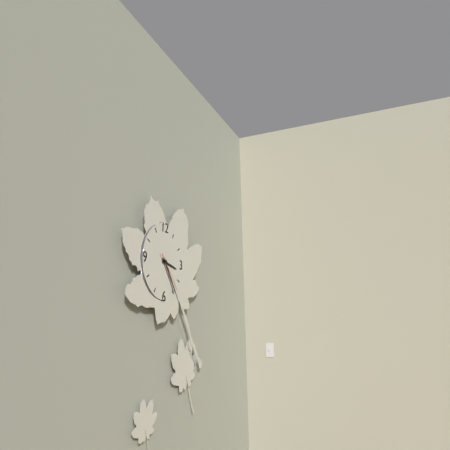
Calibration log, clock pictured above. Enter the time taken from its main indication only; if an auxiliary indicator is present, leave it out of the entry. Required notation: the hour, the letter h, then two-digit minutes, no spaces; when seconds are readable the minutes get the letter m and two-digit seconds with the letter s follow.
3h24
